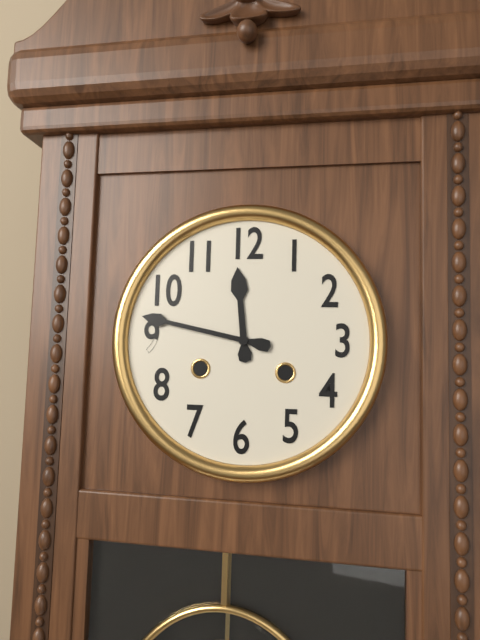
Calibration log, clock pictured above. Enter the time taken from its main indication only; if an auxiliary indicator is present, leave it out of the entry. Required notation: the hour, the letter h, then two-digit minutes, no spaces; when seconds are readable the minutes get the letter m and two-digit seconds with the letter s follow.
11h47
